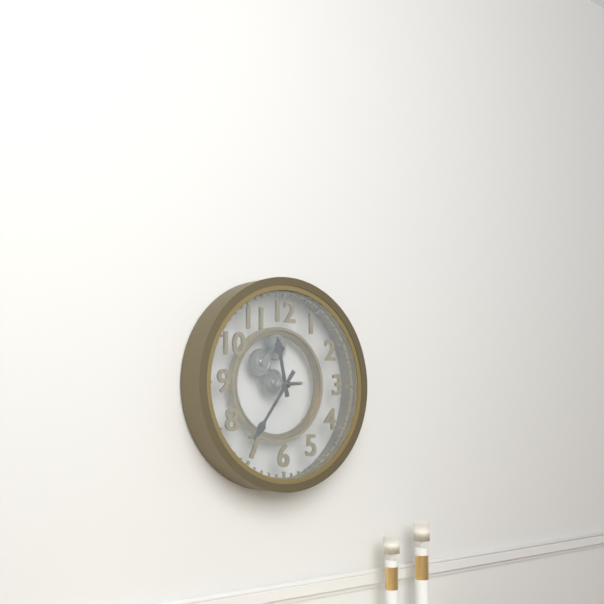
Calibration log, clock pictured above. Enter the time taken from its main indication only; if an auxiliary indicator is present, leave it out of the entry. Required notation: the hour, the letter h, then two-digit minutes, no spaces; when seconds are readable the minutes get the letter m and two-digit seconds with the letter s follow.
11h36
